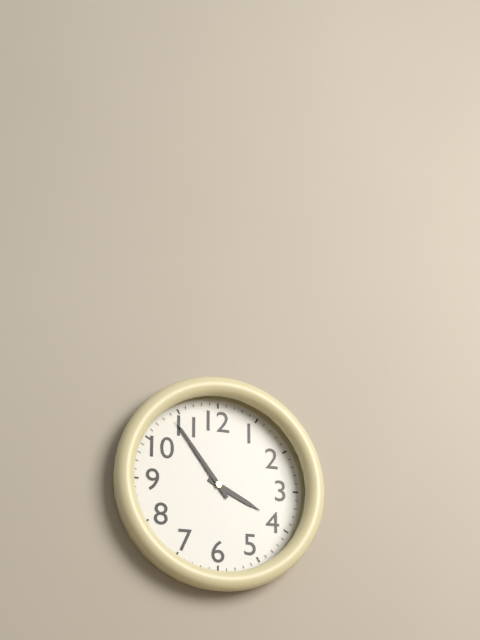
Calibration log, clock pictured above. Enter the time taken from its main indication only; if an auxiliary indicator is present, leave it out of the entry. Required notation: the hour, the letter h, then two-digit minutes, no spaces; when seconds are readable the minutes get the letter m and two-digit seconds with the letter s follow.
3h54
